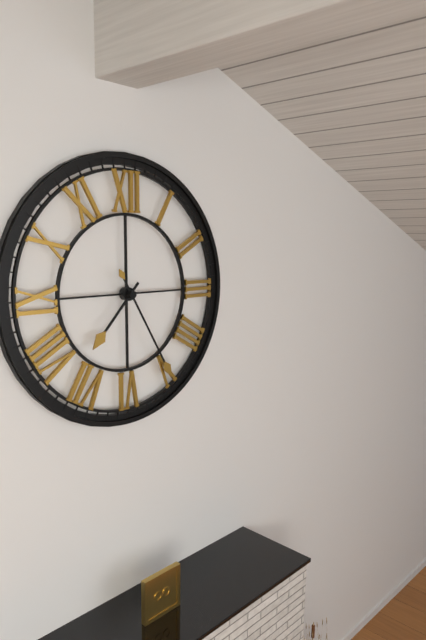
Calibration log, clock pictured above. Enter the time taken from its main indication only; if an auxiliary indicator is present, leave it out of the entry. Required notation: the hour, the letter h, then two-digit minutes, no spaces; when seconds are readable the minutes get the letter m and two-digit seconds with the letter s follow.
7h25
